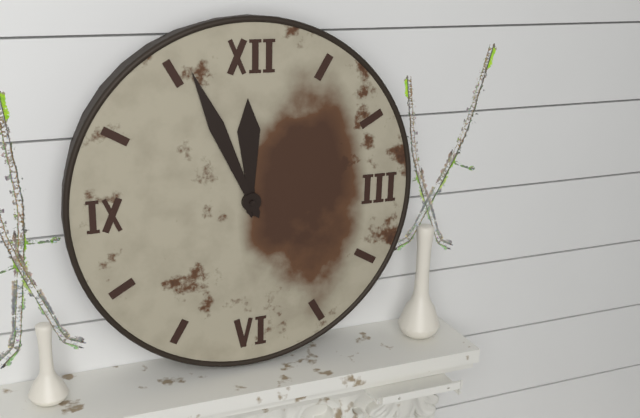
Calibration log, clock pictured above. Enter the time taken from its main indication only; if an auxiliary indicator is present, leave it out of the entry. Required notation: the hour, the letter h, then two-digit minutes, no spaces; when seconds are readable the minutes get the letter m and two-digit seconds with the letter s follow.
11h56
